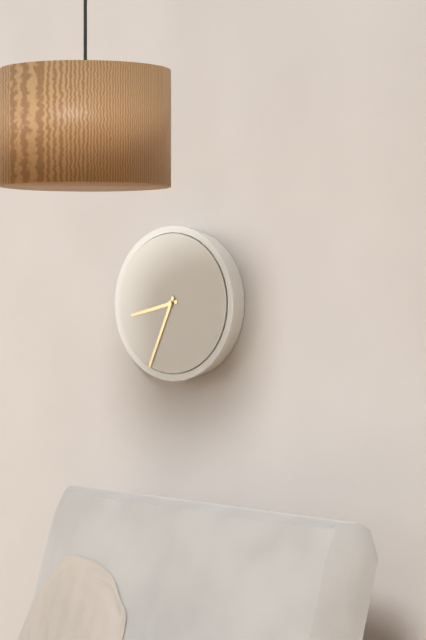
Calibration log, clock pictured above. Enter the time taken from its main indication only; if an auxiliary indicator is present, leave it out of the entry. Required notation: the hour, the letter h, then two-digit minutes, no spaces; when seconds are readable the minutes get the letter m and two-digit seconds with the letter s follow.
8h34
